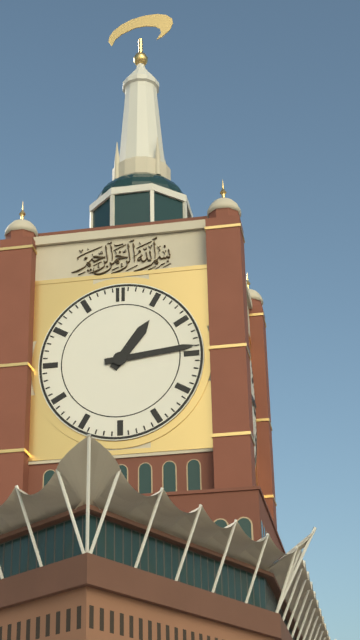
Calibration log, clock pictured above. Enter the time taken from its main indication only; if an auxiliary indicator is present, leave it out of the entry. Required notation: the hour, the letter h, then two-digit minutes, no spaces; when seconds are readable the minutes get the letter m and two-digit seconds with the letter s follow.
1h14
